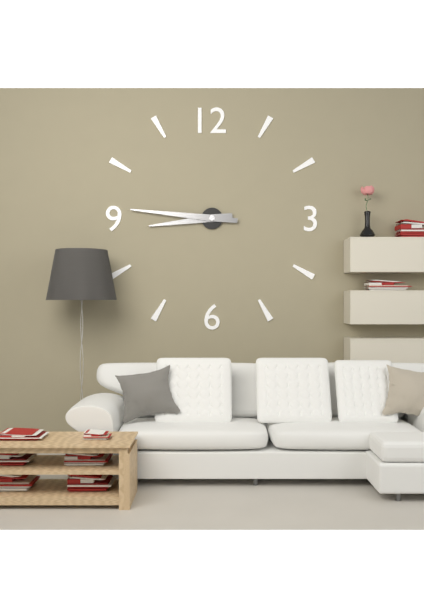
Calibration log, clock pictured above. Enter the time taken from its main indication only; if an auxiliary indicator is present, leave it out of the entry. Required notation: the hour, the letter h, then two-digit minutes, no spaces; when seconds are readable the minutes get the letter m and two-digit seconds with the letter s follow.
8h46
